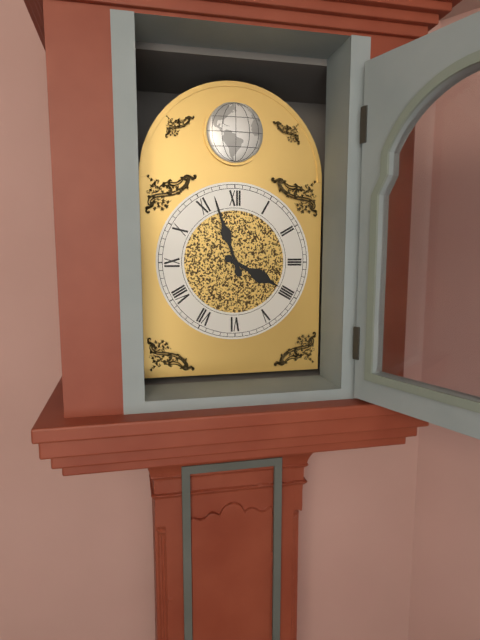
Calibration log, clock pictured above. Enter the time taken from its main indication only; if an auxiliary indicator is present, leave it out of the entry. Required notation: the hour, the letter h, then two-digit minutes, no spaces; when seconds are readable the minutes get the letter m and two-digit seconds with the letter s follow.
3h57
